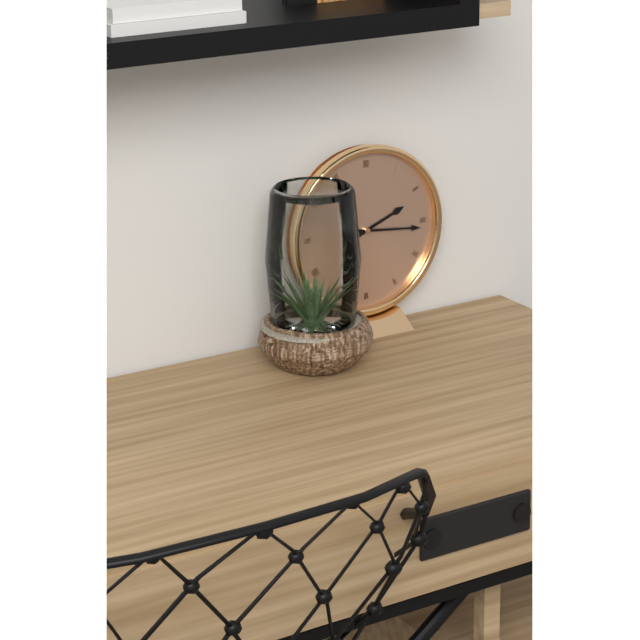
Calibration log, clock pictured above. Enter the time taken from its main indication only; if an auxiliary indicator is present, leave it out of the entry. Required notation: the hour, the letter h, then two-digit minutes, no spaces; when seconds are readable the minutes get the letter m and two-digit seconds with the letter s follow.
2h16
